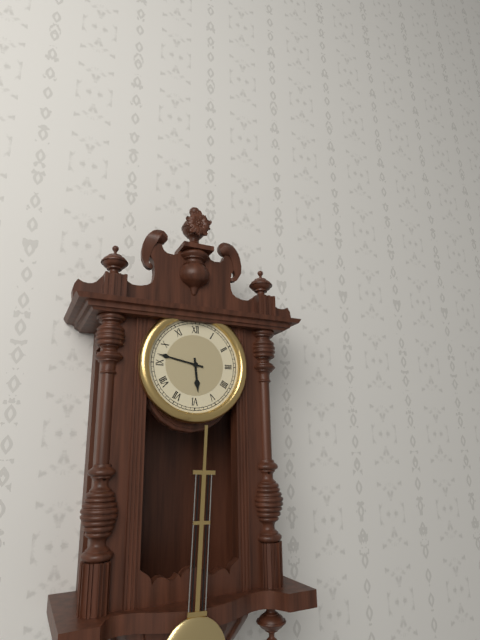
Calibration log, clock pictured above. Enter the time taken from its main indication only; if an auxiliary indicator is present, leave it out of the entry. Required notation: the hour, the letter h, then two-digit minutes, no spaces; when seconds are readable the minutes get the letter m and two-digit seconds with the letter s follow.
5h47
